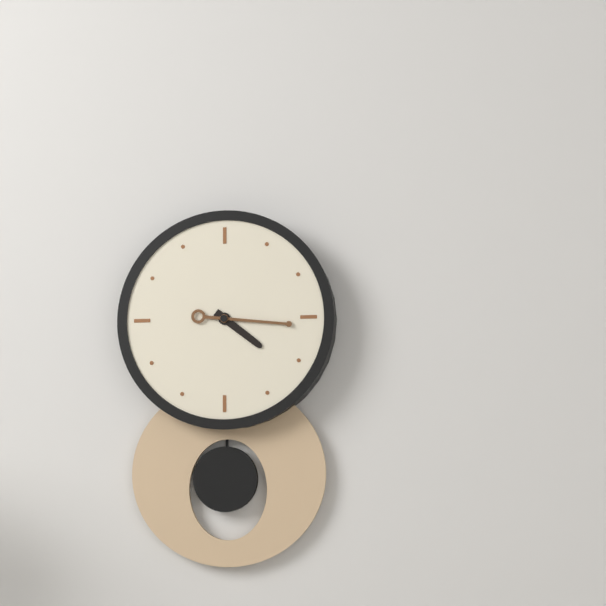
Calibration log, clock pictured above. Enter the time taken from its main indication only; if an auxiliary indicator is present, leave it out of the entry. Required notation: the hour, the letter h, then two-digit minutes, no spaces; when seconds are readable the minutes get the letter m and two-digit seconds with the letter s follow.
4h16
